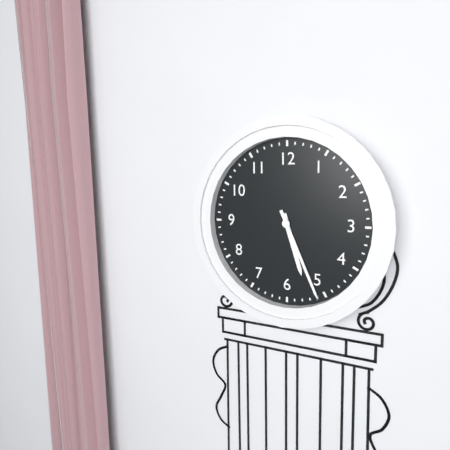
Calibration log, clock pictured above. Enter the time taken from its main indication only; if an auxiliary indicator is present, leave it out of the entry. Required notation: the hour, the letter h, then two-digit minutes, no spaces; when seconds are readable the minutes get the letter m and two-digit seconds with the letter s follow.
5h26
